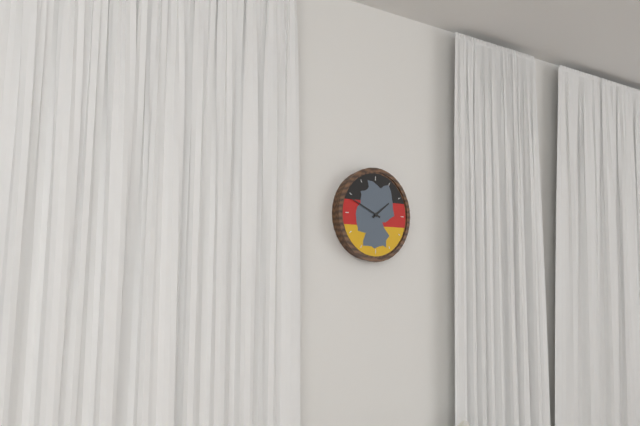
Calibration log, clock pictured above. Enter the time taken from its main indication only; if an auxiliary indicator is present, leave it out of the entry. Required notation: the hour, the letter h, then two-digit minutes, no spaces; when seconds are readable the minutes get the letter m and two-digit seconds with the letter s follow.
1h49
